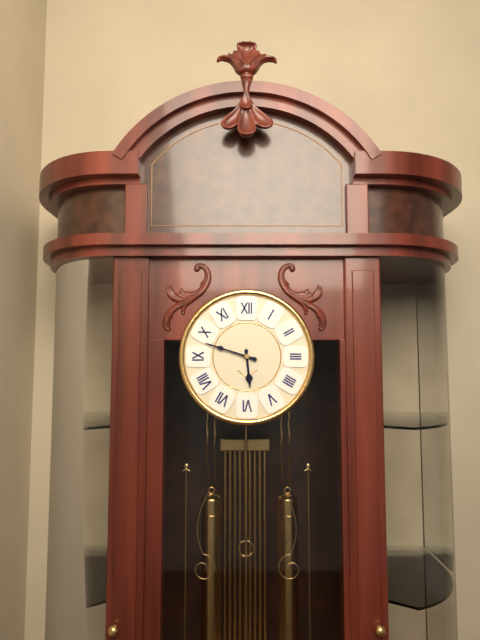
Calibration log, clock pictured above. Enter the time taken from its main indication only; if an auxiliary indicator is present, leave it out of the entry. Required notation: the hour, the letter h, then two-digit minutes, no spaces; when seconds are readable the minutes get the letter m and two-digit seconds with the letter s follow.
5h48
